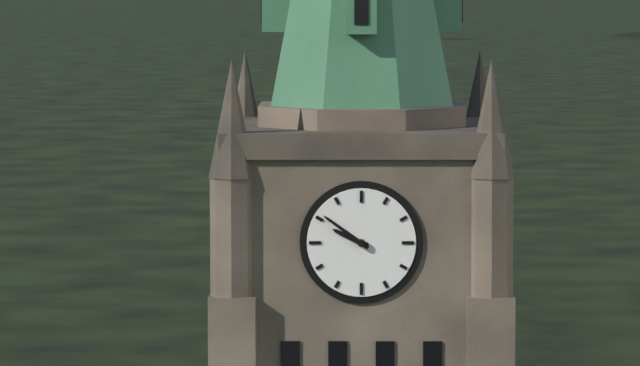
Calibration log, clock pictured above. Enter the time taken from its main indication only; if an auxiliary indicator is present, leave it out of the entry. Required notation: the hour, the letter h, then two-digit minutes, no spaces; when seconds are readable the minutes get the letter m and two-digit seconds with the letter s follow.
9h51
